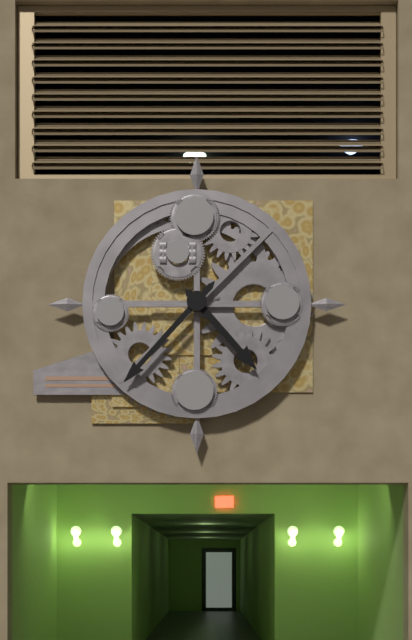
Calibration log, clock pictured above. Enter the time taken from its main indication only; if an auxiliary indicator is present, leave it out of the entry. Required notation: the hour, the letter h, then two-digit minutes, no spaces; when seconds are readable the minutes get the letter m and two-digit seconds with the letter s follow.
4h37
